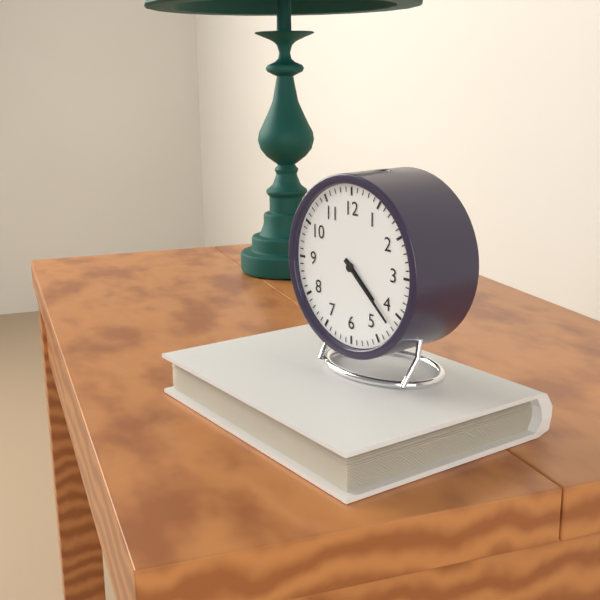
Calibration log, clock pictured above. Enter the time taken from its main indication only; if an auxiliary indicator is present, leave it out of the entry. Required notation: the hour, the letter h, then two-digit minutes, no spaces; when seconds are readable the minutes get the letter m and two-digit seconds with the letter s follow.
4h22
